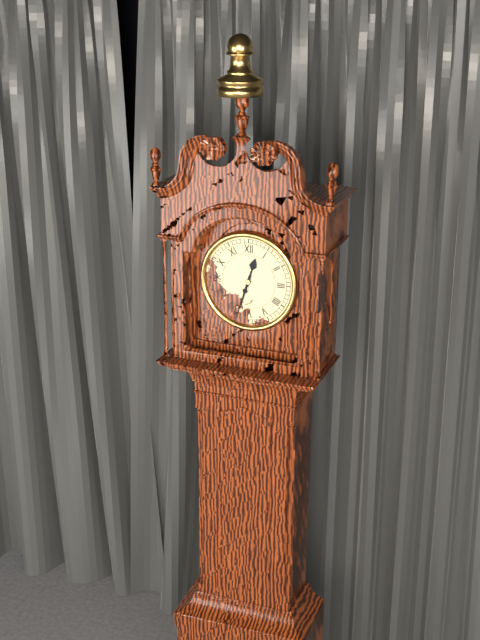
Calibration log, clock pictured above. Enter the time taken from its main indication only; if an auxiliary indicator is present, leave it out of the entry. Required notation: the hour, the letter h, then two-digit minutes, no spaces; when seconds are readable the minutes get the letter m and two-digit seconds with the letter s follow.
12h33
